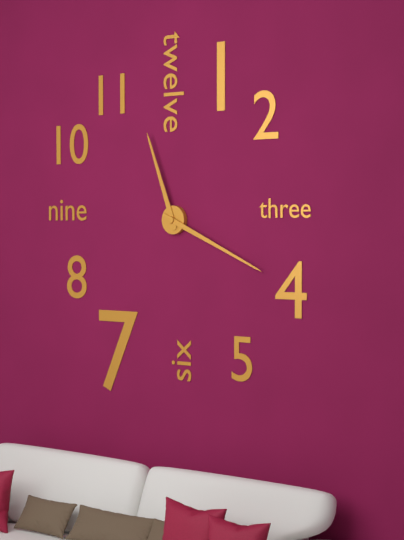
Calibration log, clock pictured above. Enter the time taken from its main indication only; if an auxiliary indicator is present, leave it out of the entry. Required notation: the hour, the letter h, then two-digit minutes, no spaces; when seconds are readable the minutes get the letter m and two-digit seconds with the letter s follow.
11h19
